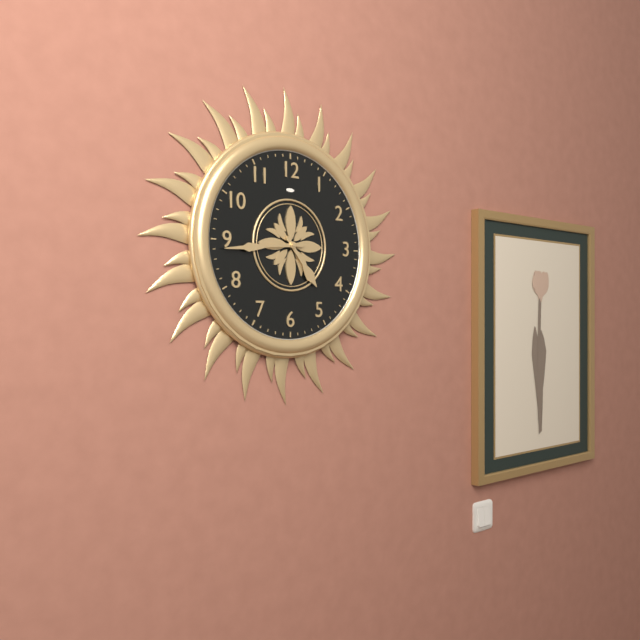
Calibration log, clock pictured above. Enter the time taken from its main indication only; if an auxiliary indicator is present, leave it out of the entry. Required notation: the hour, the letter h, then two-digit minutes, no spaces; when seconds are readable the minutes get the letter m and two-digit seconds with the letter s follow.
4h44
